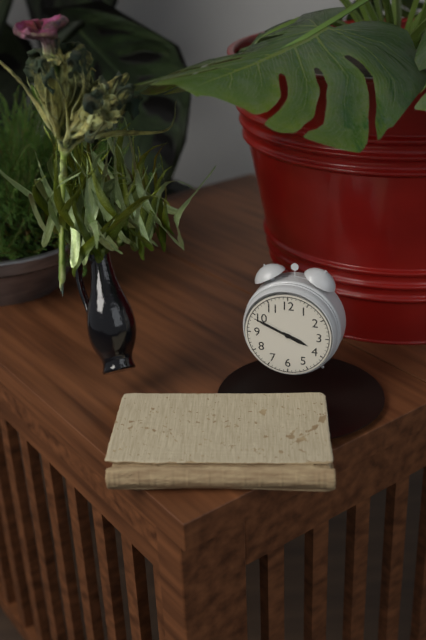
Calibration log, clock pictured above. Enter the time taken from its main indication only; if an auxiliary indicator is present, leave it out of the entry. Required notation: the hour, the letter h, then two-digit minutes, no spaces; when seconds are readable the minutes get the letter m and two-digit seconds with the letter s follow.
3h49
